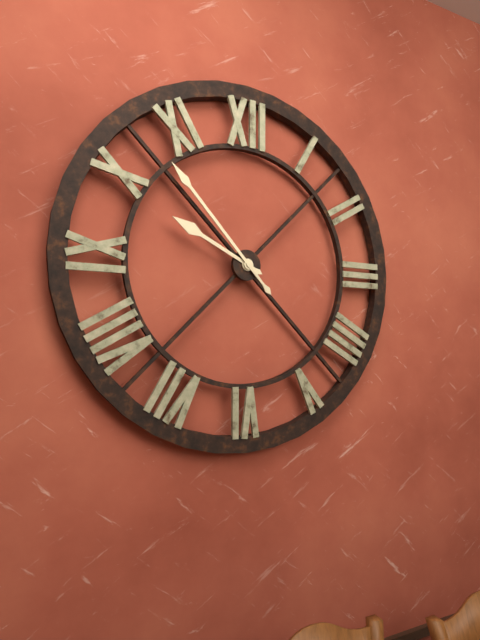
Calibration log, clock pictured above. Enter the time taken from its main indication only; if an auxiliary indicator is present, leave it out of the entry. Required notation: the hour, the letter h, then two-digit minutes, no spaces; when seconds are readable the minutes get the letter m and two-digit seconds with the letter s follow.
9h53
